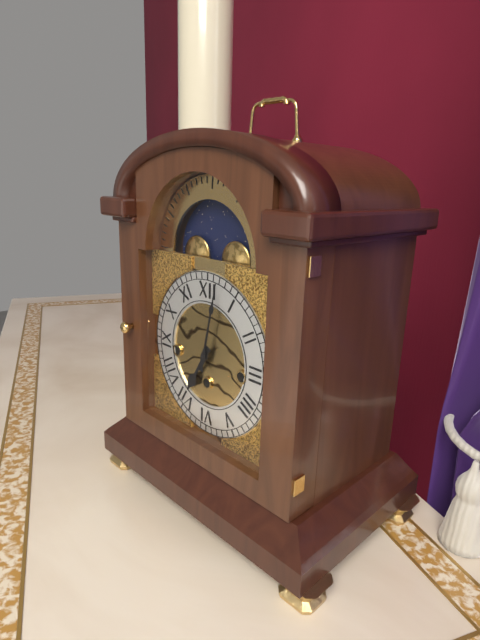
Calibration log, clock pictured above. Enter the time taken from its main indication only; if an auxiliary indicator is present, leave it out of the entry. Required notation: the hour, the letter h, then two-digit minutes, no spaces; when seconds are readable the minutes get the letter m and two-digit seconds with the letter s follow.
7h02
